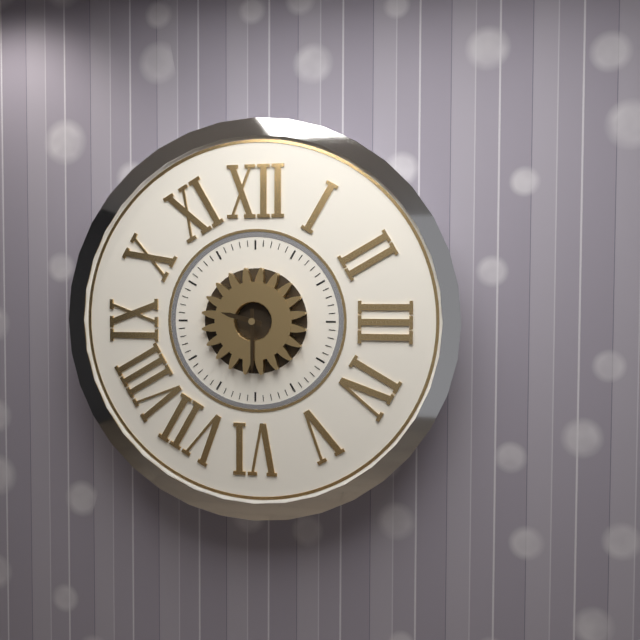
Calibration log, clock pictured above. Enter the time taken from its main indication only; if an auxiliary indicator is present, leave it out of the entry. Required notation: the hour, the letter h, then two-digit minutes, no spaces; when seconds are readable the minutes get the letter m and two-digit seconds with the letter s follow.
9h30
